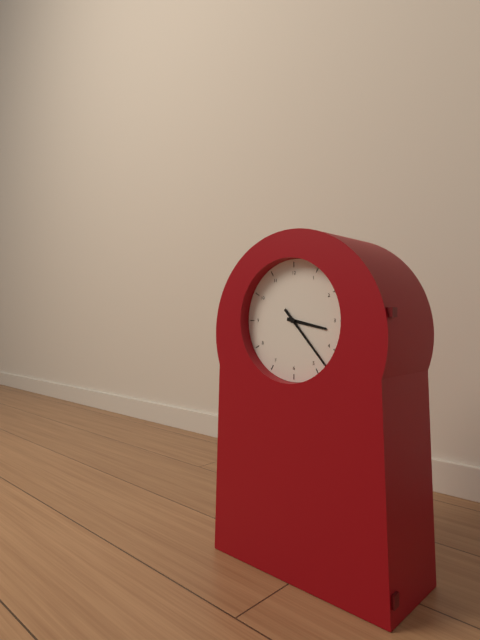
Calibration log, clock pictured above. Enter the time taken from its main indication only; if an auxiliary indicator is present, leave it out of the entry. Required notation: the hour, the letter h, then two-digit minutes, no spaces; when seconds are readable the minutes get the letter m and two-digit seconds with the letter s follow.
3h23
